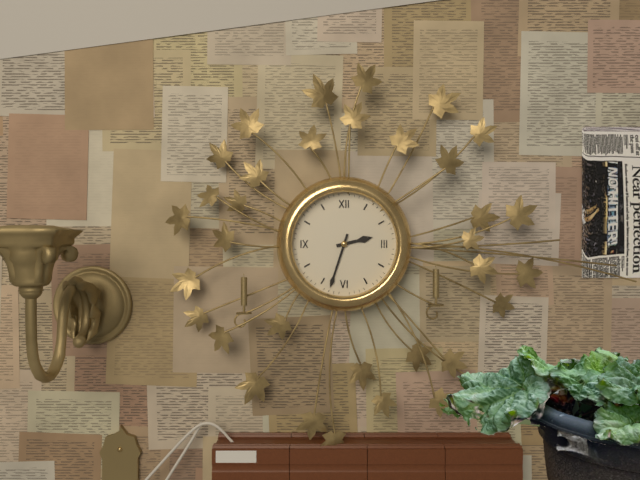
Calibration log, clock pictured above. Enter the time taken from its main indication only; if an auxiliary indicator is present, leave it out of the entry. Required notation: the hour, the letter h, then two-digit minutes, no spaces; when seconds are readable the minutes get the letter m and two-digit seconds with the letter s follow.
2h33
